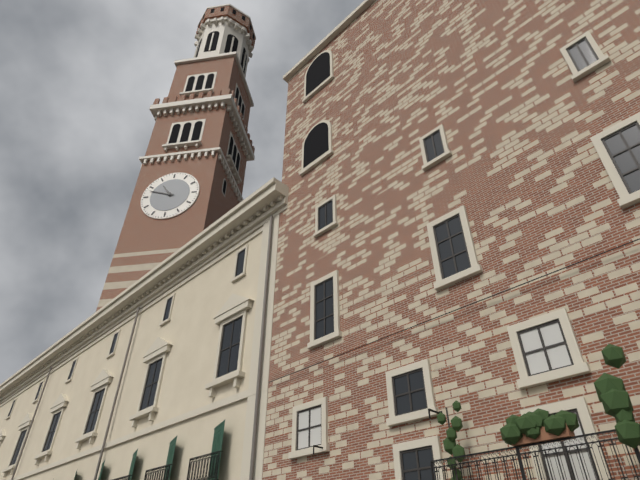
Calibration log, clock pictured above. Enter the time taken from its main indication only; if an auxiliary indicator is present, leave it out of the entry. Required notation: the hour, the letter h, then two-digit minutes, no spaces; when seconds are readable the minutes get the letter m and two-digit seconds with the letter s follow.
10h48
